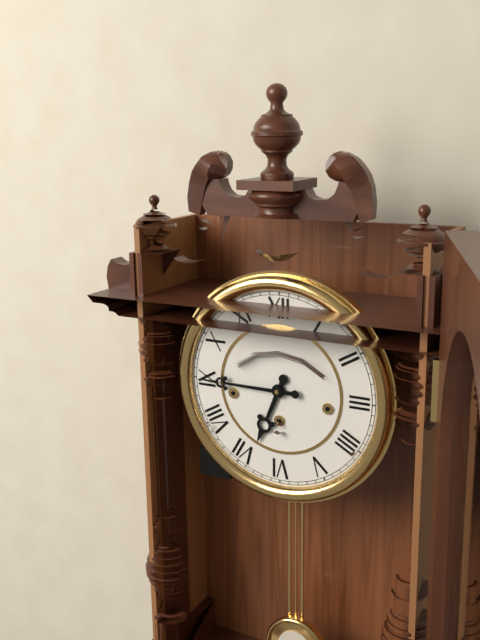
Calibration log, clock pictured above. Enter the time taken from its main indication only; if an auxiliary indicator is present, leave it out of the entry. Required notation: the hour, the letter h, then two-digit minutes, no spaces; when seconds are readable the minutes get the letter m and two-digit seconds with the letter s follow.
6h45
